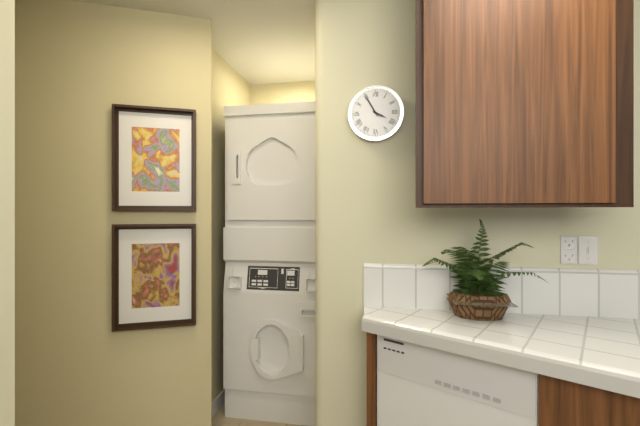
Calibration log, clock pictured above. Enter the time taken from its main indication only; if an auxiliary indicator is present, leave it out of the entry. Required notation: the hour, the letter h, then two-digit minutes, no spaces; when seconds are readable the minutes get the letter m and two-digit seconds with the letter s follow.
3h55
